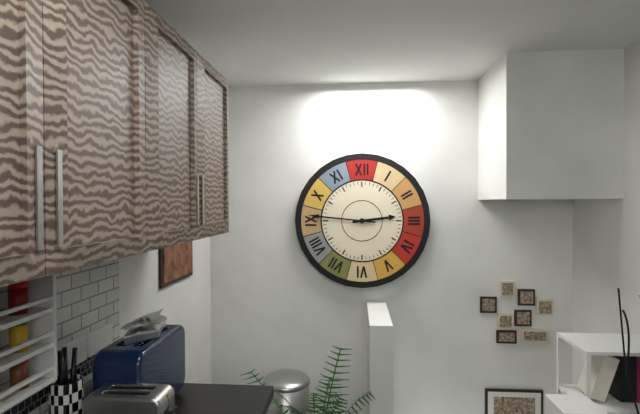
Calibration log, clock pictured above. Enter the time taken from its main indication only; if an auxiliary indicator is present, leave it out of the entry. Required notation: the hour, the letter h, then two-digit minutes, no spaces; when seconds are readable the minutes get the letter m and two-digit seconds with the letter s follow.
2h46
